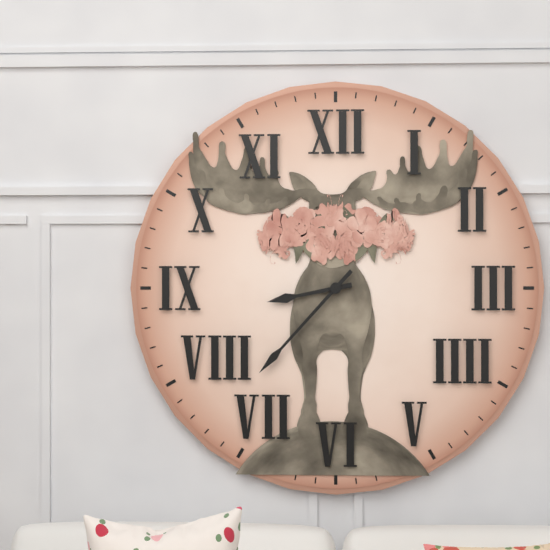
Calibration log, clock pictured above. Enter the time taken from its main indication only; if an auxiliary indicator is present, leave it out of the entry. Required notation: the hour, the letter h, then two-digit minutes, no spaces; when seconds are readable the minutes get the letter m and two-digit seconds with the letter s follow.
8h37
